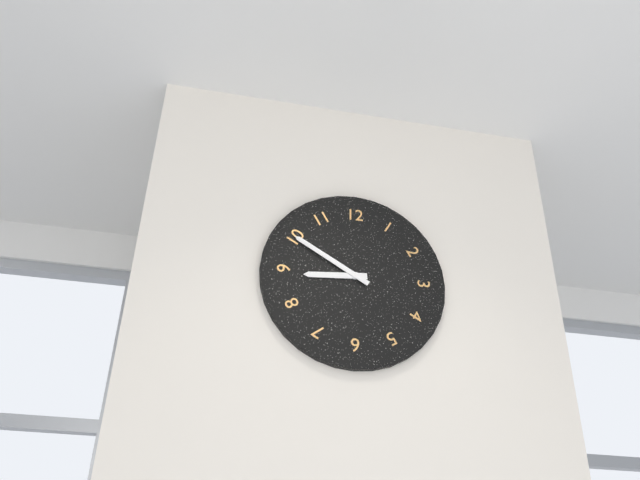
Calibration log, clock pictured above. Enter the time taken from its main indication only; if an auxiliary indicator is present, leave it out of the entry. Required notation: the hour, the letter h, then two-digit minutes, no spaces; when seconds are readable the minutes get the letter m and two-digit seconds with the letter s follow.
8h50
